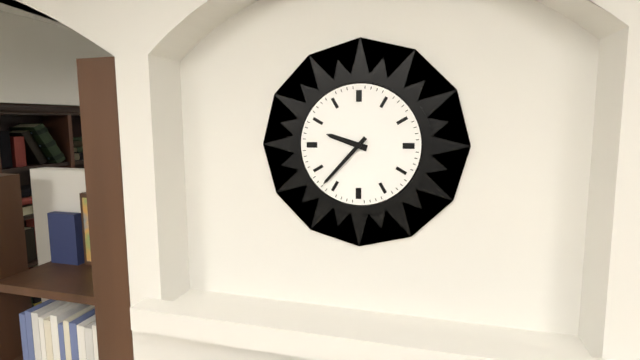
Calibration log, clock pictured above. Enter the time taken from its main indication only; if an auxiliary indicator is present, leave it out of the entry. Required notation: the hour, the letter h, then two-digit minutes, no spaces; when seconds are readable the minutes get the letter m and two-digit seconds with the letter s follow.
9h37
